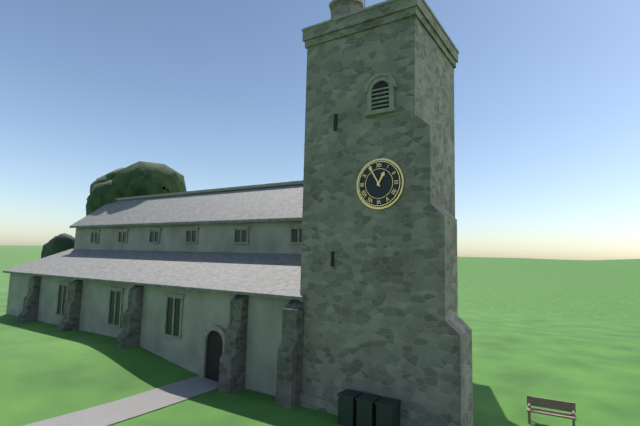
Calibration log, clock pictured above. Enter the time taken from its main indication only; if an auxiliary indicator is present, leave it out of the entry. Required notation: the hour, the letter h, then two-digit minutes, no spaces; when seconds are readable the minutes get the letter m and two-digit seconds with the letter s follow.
12h55
